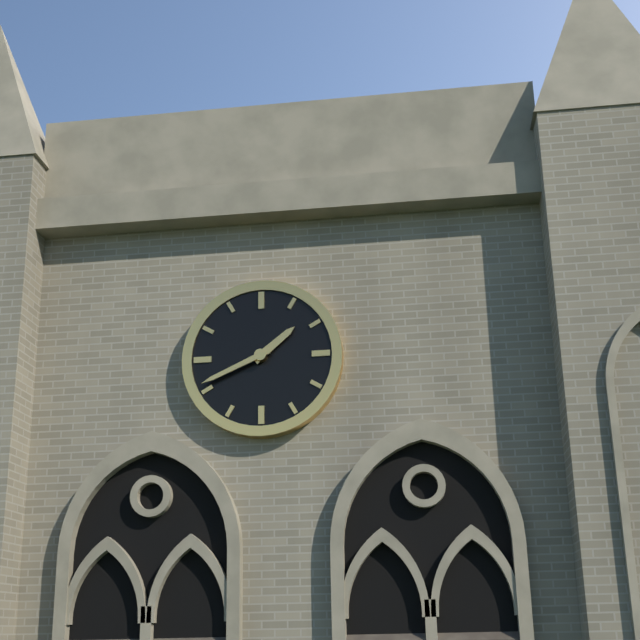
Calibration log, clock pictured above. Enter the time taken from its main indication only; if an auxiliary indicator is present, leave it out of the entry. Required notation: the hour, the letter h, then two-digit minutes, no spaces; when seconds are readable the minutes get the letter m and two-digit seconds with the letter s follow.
1h41
